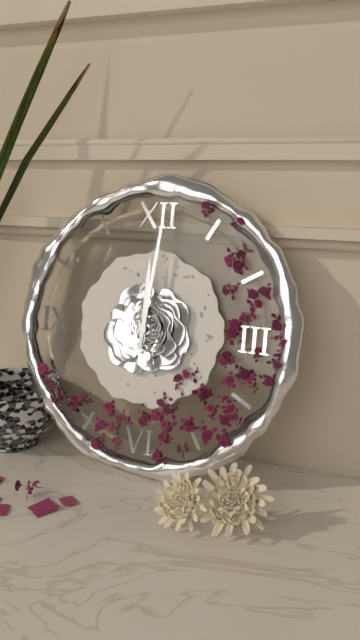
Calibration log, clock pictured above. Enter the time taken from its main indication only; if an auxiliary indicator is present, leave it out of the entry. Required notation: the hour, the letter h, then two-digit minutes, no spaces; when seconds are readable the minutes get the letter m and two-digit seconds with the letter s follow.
12h01
